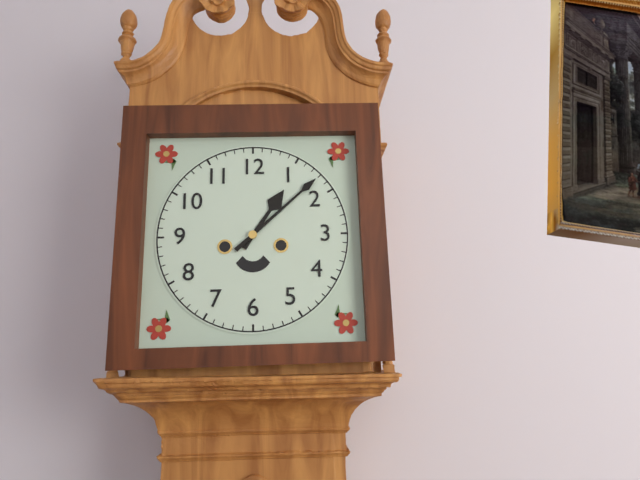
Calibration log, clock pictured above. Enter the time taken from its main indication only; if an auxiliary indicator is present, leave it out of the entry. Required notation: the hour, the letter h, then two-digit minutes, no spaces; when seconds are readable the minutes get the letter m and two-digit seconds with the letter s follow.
1h08
